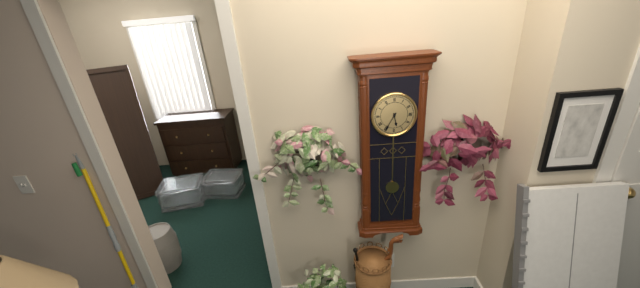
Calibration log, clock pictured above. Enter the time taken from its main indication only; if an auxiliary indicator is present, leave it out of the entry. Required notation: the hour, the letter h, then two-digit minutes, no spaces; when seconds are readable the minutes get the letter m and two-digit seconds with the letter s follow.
5h35
